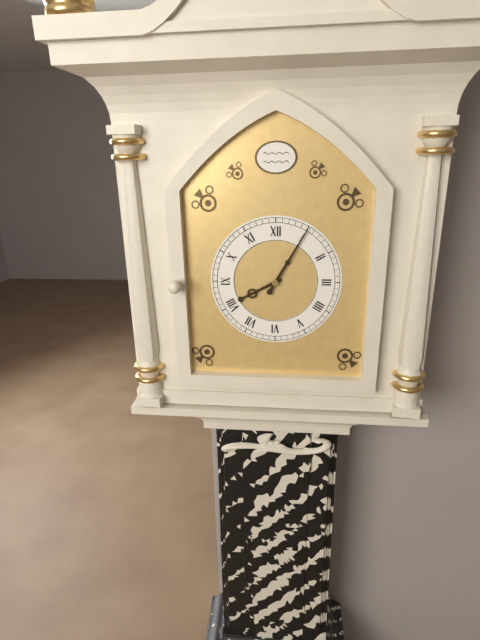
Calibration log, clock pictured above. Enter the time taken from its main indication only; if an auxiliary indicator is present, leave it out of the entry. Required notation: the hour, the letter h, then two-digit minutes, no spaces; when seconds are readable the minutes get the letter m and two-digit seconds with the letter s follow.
8h05
